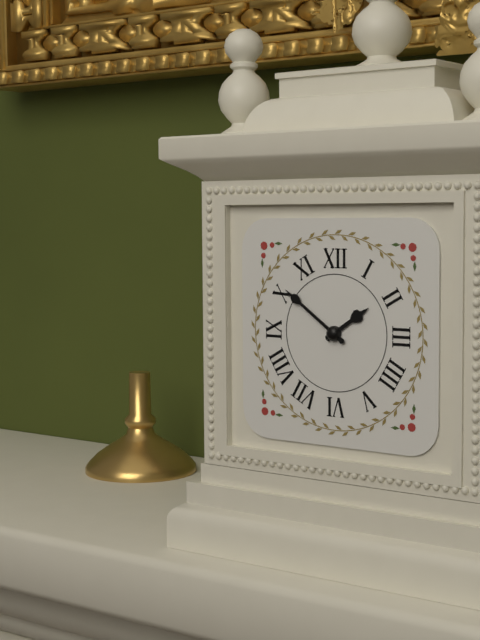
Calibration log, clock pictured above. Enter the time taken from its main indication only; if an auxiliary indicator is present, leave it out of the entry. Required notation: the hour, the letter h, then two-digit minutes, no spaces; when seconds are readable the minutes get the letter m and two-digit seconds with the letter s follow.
1h51
